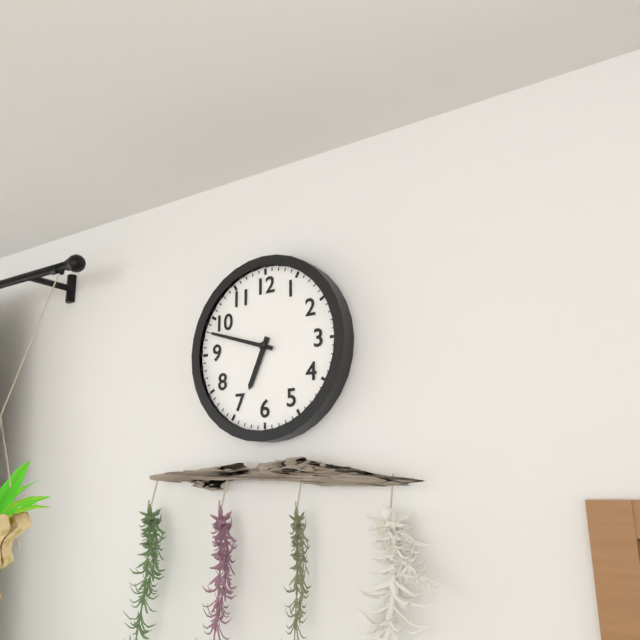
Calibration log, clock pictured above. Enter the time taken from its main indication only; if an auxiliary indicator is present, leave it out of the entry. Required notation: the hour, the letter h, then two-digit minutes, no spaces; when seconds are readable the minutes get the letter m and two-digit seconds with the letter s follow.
6h48
